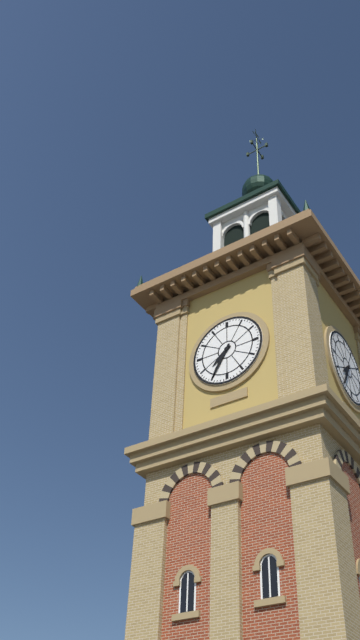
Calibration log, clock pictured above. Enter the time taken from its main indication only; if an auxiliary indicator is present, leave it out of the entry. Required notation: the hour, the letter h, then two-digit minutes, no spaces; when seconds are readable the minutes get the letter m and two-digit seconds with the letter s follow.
7h35
